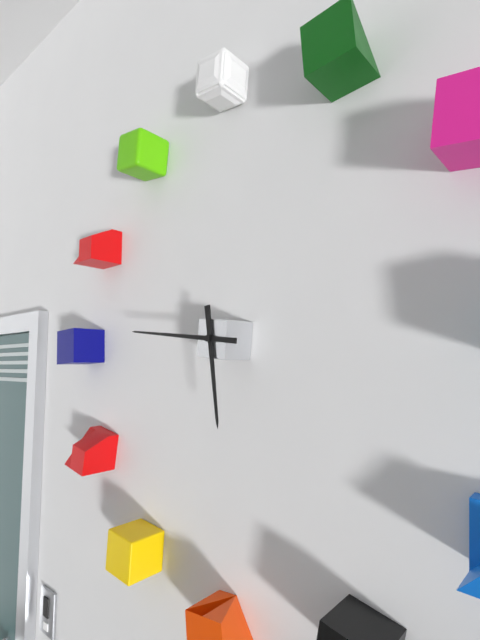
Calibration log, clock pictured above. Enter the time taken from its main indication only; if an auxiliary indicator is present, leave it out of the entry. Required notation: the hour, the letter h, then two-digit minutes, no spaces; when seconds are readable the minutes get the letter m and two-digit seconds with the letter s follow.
5h46
